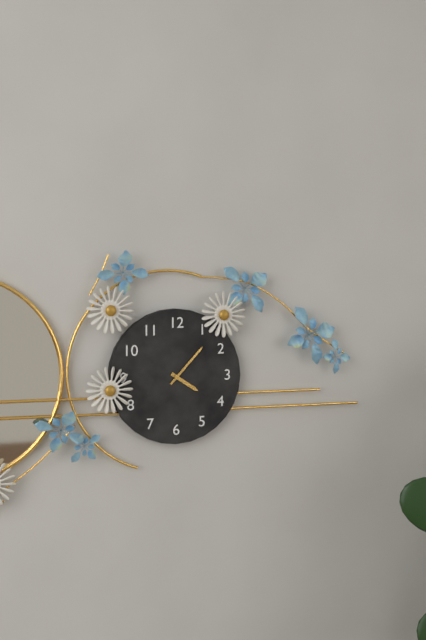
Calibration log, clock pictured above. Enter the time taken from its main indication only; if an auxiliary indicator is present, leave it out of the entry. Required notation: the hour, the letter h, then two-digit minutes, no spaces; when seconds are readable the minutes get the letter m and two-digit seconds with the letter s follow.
4h07
